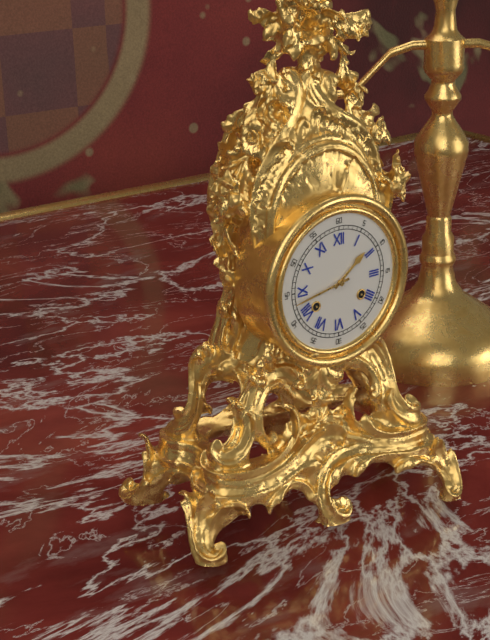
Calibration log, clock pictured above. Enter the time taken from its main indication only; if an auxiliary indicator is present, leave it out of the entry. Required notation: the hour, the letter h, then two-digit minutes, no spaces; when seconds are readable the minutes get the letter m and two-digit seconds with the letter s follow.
1h43
